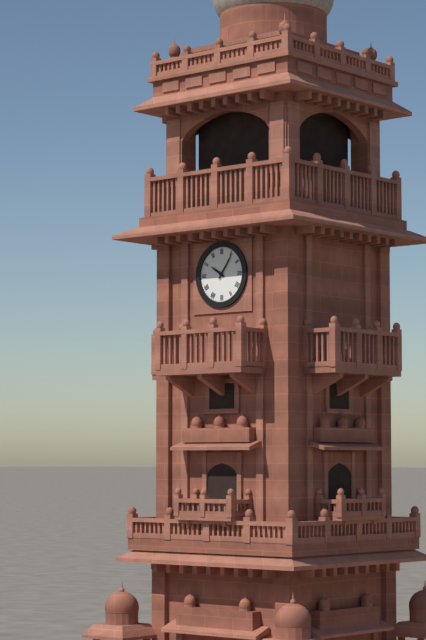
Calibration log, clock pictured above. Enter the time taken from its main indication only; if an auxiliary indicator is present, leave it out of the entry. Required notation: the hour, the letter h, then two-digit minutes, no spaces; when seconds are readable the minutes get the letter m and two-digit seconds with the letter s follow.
10h06
